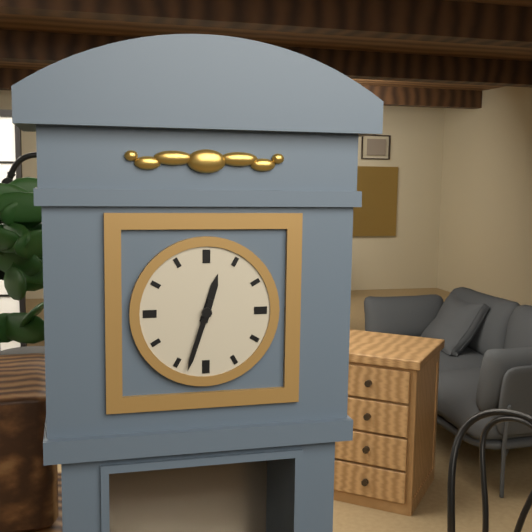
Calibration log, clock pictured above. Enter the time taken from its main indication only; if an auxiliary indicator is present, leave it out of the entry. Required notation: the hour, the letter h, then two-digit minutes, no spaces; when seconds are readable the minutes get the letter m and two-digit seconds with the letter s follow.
12h33
